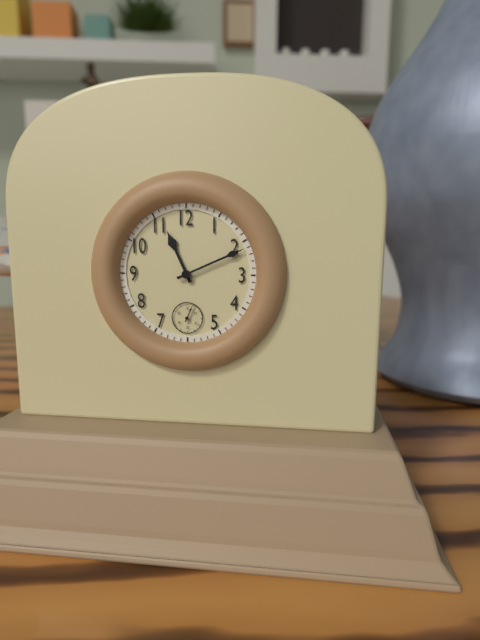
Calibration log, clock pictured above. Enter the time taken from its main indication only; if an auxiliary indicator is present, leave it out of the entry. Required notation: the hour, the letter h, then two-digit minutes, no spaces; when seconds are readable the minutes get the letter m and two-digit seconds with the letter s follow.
11h11
